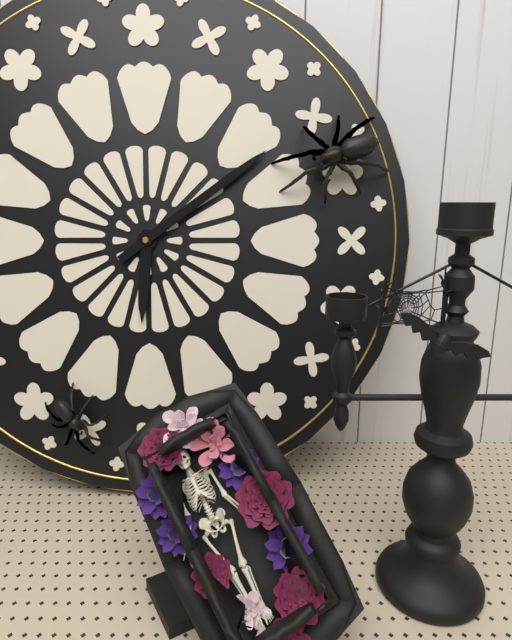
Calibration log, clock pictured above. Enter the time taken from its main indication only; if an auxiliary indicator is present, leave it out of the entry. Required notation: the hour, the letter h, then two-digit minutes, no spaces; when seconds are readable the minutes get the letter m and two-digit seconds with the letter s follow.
6h09
